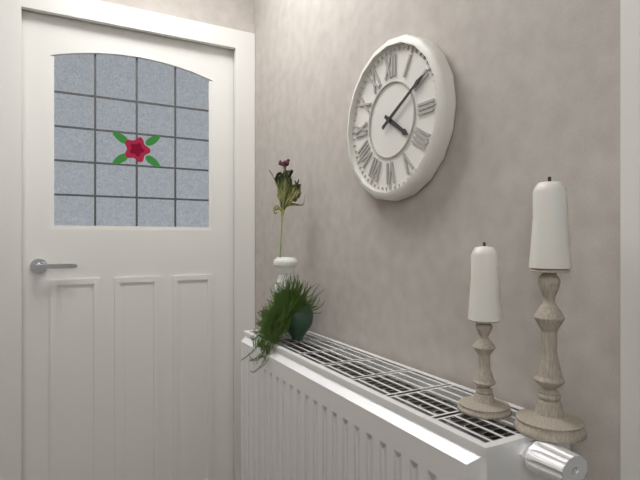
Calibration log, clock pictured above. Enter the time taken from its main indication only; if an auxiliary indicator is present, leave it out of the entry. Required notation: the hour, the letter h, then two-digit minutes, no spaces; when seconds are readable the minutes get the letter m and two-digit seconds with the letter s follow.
4h10
